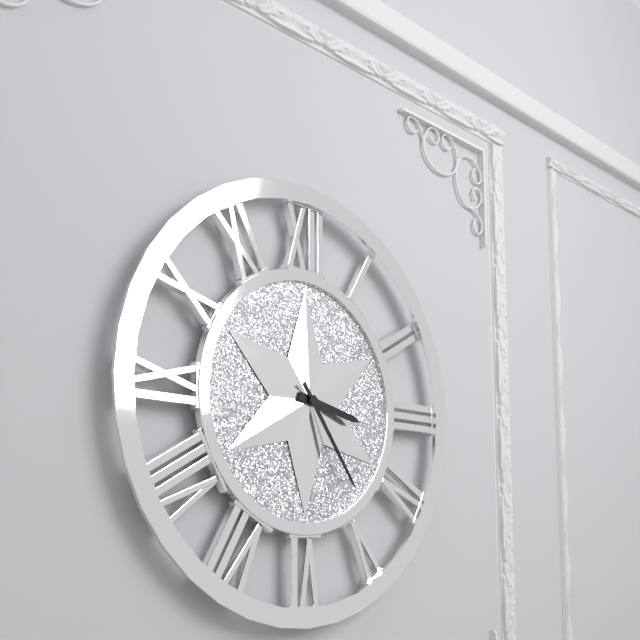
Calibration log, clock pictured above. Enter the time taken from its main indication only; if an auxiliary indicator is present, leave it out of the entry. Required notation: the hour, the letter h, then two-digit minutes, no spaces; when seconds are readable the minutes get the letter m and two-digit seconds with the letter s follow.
3h24
